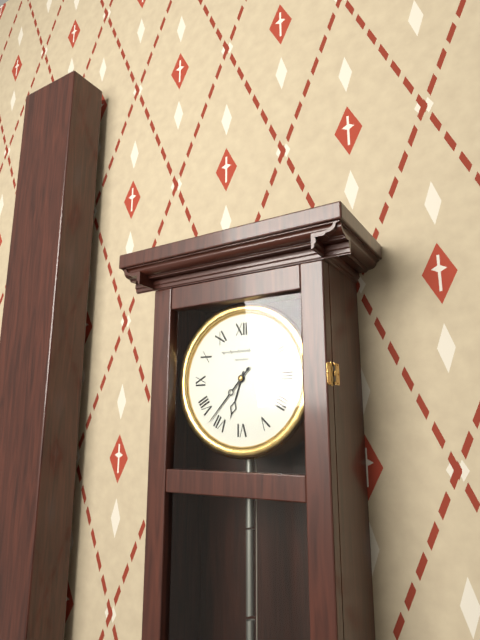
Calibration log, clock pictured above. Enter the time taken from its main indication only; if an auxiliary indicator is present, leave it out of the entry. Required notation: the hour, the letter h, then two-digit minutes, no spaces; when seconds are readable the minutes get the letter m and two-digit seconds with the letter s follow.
6h37
